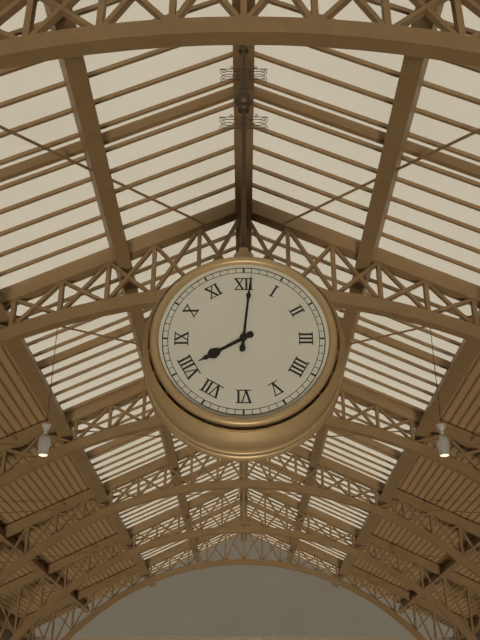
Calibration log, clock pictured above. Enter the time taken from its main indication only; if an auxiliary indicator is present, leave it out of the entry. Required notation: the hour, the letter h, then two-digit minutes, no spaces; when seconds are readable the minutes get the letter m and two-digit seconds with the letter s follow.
8h01
